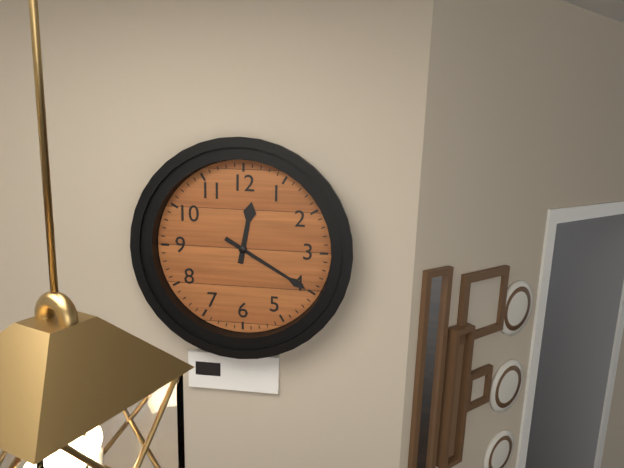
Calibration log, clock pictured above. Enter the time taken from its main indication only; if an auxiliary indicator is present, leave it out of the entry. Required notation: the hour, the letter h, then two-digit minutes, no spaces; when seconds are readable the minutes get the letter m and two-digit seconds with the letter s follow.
12h20
